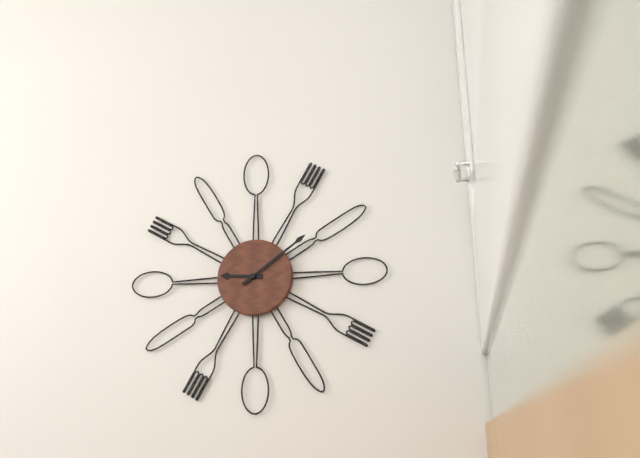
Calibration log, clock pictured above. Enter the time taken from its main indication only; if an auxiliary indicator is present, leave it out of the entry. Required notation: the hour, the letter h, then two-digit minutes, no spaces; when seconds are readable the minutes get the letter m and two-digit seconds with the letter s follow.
9h09
